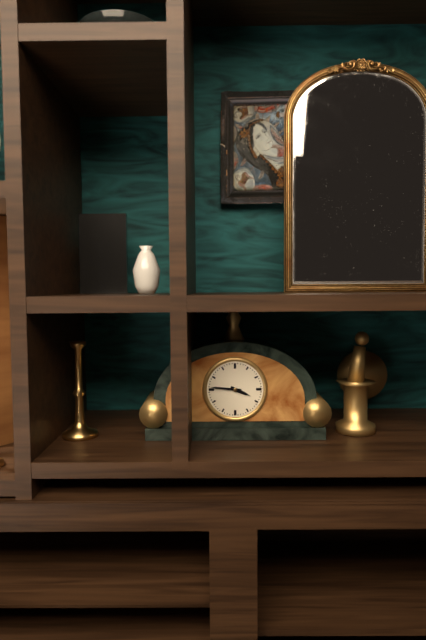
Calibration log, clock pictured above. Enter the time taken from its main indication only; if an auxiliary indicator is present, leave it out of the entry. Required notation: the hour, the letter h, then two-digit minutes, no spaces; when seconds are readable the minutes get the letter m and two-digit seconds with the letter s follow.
3h46
